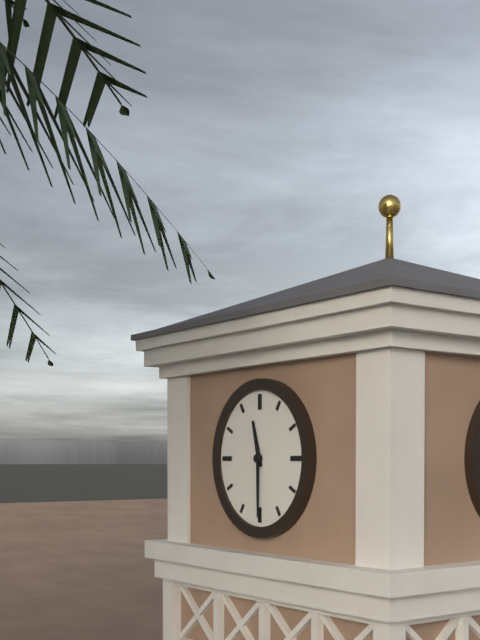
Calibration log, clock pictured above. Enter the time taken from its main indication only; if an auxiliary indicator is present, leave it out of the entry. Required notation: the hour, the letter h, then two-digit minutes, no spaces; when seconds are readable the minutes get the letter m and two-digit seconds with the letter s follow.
11h30
